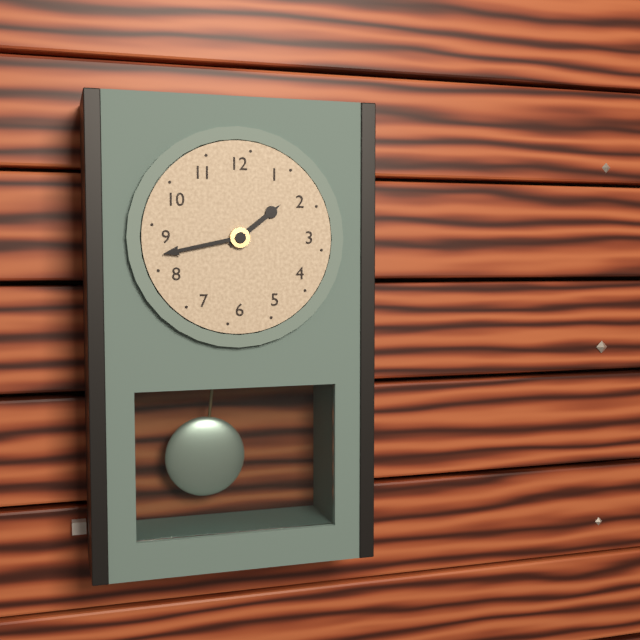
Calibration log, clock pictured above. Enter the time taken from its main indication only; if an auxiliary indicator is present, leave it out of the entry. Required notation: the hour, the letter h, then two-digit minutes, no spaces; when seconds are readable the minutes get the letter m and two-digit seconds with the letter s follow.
1h43
